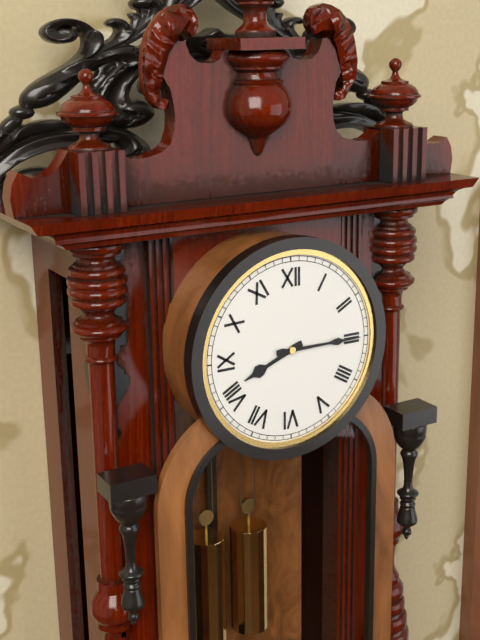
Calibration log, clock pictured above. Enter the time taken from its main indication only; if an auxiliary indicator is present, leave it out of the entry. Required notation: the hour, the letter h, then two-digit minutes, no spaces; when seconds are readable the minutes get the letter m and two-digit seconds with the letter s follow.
8h15
